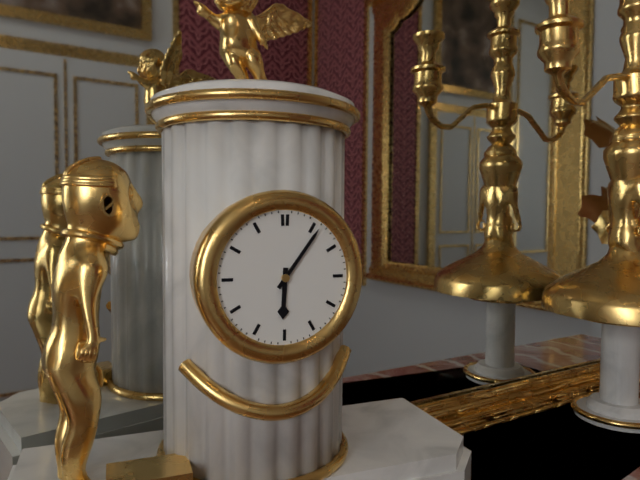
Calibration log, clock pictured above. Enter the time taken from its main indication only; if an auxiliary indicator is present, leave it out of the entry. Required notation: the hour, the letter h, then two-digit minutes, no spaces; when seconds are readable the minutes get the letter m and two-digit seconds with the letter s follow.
6h06
